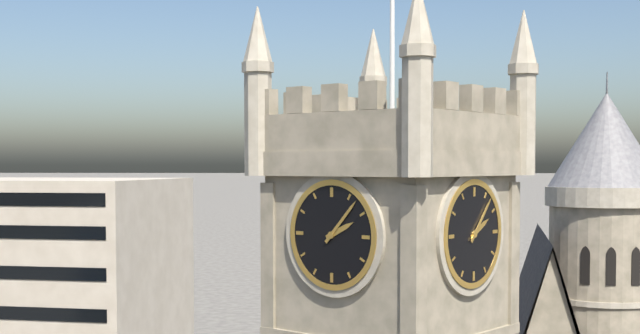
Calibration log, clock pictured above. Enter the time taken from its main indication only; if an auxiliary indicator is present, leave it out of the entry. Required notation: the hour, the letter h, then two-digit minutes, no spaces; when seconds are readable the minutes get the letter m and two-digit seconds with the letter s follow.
2h07
